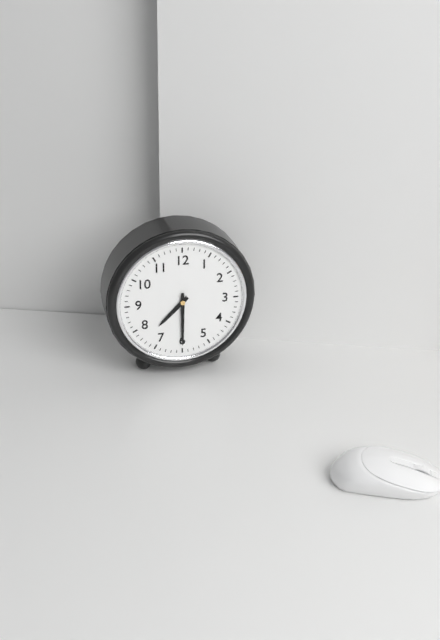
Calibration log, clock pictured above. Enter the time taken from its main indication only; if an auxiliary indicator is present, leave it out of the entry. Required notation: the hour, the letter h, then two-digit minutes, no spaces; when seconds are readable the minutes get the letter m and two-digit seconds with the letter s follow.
7h30
